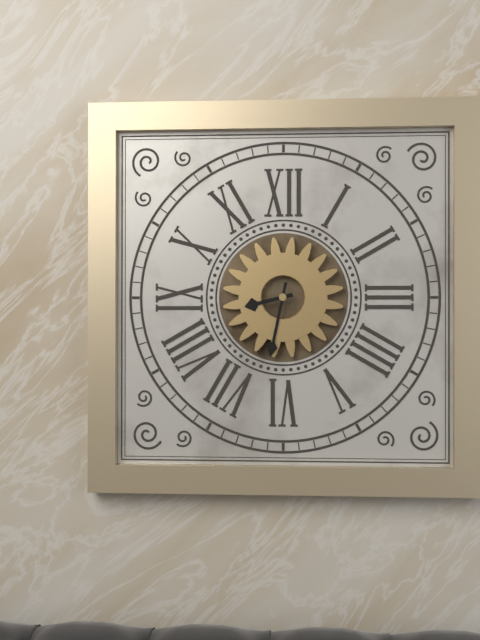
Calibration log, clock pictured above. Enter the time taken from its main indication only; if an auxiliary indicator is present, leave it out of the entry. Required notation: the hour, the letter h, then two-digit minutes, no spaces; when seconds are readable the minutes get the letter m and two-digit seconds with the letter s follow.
8h32
